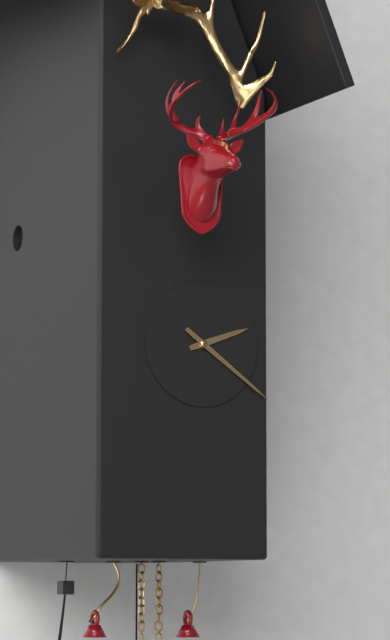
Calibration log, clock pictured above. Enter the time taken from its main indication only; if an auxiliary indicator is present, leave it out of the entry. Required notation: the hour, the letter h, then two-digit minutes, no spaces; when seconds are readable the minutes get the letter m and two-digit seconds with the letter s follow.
2h21
